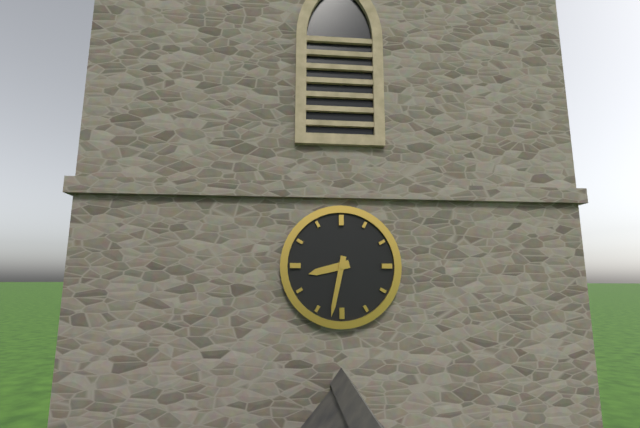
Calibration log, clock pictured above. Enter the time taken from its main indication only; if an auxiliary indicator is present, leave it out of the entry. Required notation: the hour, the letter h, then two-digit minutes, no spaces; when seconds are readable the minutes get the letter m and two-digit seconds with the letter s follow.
8h32
